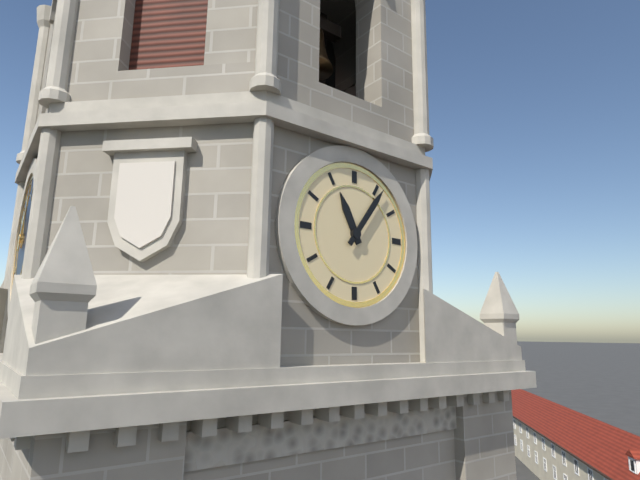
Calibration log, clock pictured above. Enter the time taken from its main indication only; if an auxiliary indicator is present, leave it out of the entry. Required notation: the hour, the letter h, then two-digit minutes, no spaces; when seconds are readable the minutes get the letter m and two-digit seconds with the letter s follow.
11h06
